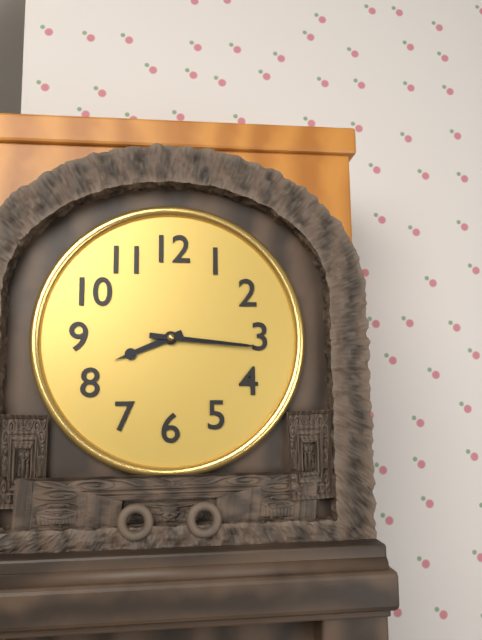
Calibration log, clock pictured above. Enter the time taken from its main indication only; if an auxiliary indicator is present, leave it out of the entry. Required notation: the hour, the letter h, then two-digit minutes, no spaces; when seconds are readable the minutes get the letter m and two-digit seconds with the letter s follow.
8h16
